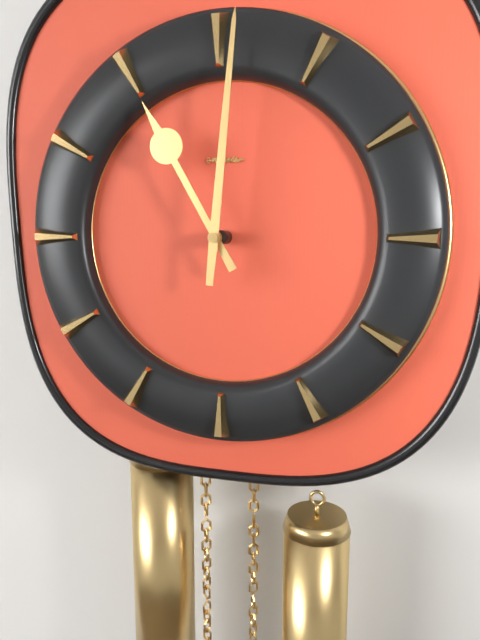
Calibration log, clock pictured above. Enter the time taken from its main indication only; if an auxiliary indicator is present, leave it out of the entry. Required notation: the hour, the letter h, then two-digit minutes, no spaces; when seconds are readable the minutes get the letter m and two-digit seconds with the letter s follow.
11h01
